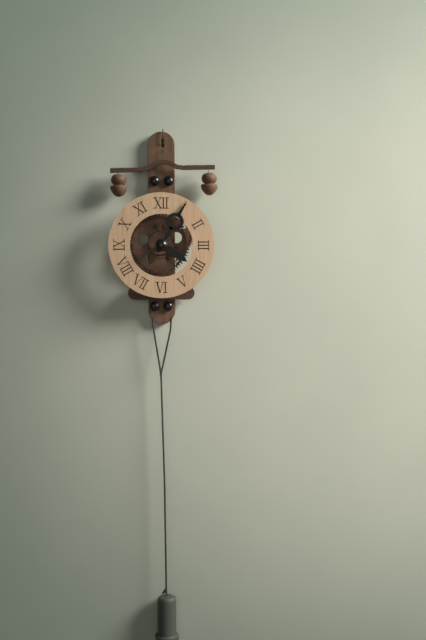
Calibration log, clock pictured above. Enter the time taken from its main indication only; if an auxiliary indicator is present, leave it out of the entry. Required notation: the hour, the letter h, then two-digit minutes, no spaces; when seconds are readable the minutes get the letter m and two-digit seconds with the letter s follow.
4h05
